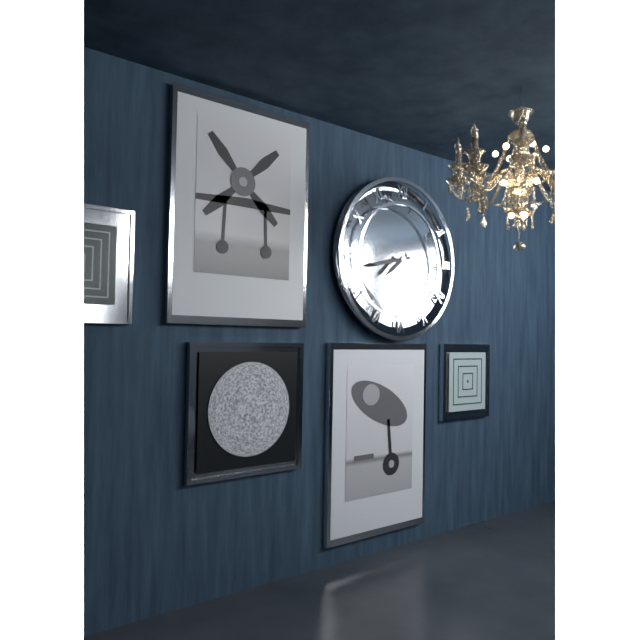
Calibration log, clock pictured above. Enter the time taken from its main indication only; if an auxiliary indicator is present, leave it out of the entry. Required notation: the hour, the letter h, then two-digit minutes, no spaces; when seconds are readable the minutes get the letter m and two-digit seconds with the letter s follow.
7h43
